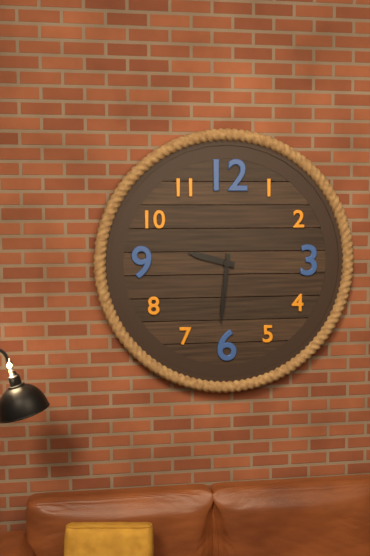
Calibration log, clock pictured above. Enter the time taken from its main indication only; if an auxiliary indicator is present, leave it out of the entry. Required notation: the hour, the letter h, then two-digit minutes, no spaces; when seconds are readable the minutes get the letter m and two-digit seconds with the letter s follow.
9h31
